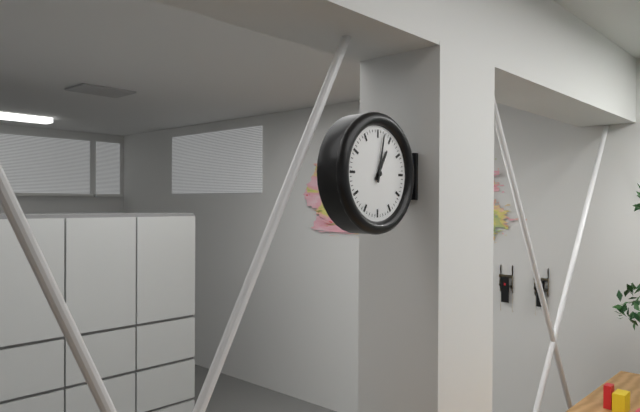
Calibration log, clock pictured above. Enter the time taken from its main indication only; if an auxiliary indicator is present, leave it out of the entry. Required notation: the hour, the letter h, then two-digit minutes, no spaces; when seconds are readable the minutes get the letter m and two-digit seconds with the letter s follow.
1h02
